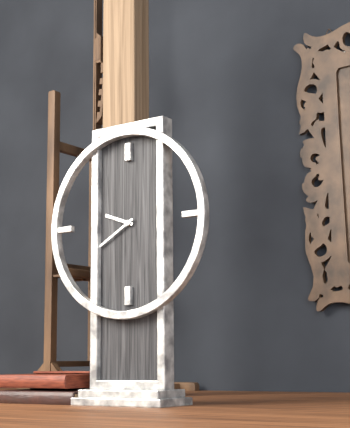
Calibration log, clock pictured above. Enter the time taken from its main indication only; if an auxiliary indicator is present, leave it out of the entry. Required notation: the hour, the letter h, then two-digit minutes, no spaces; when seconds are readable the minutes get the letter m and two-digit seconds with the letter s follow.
9h40
